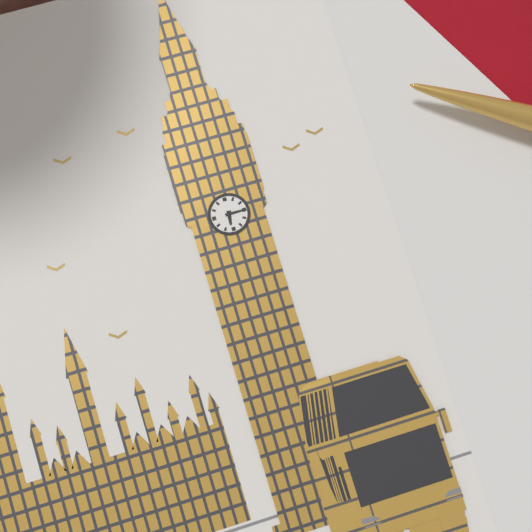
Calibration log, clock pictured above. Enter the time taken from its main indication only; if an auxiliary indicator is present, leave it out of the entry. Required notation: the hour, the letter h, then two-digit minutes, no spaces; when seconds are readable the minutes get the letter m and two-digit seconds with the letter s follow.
6h15
